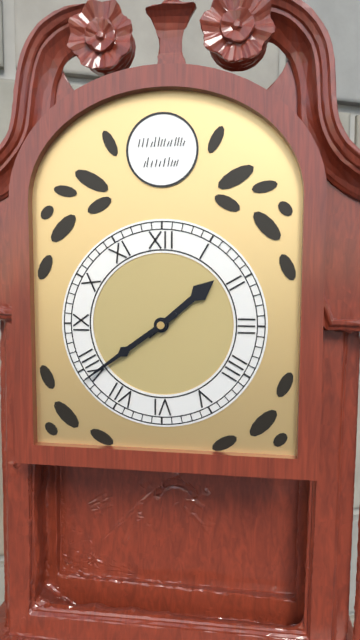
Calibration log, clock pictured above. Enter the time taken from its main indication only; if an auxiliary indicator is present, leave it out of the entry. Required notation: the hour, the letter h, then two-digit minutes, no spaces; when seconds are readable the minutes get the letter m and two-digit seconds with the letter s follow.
1h39
